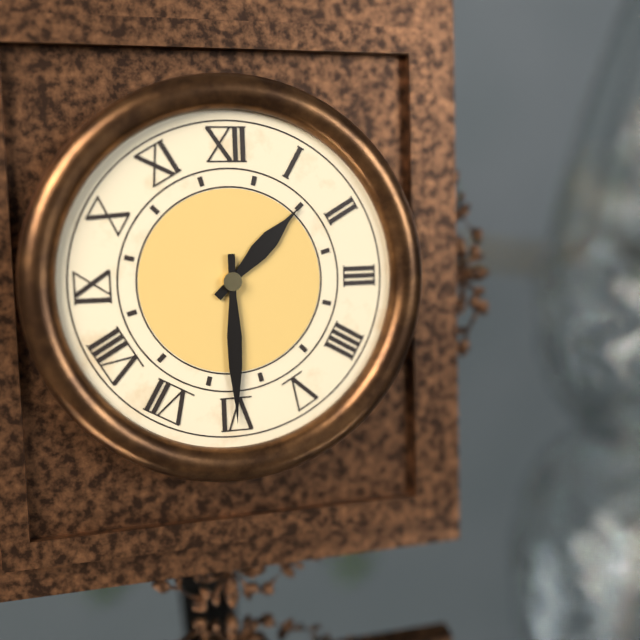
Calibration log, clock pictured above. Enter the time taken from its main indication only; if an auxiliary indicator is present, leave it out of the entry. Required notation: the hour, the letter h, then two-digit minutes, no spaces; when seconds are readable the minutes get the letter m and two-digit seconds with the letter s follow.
1h30
